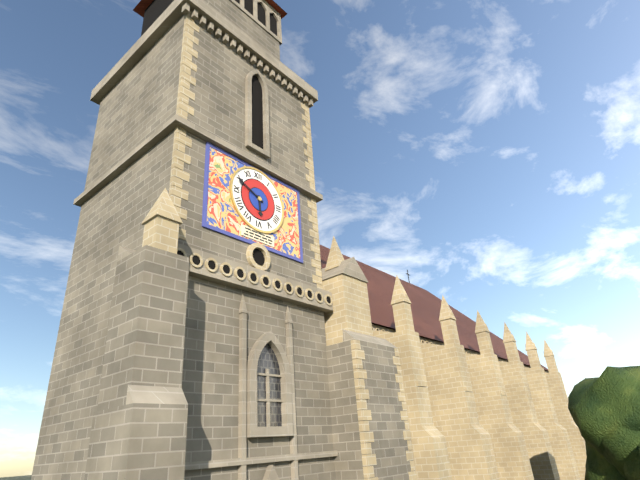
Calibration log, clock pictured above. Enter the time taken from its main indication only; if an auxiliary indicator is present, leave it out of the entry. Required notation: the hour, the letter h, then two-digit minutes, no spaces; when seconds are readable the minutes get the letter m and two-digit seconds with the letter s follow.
5h49
